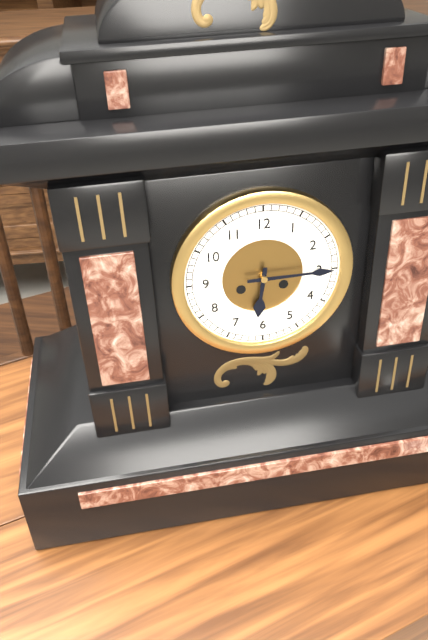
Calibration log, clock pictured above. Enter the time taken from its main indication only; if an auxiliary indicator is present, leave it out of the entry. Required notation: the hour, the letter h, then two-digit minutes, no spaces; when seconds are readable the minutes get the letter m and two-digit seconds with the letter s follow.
6h15
